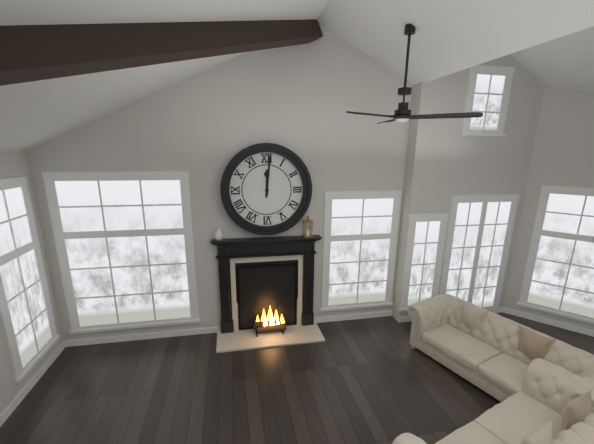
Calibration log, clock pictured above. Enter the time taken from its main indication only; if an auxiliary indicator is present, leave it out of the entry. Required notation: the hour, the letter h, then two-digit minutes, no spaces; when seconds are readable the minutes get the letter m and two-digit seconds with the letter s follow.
12h01
